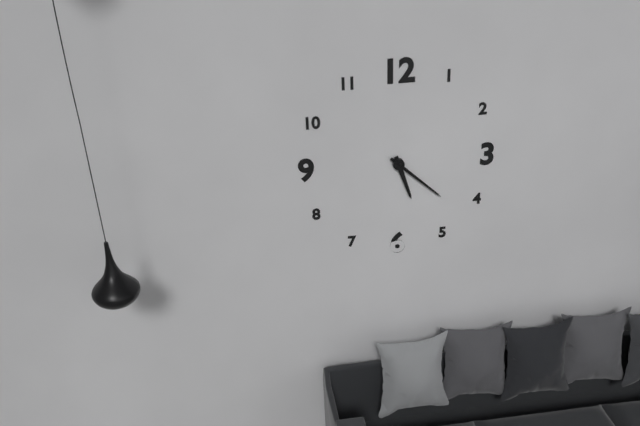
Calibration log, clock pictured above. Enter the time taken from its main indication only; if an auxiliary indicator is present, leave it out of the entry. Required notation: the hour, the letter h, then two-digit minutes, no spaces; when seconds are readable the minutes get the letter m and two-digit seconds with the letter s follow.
5h22
